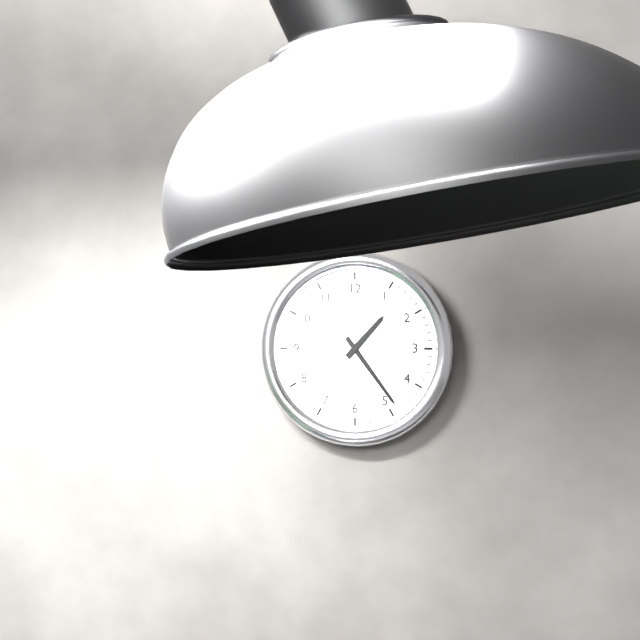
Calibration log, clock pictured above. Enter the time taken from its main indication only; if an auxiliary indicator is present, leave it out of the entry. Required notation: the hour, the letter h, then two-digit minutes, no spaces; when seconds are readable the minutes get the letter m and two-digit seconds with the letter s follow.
1h24
